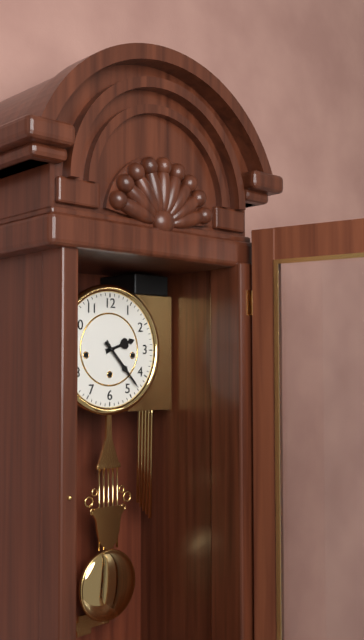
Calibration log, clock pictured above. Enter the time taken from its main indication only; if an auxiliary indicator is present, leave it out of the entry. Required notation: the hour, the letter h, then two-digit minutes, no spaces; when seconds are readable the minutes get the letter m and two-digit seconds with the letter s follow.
2h23
